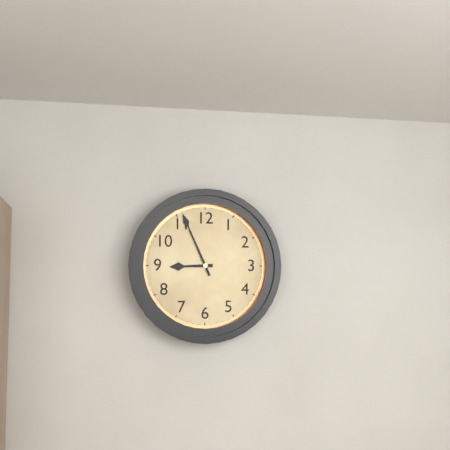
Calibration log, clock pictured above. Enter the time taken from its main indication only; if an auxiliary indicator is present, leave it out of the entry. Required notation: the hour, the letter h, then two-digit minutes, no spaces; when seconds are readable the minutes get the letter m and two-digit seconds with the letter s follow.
8h56
